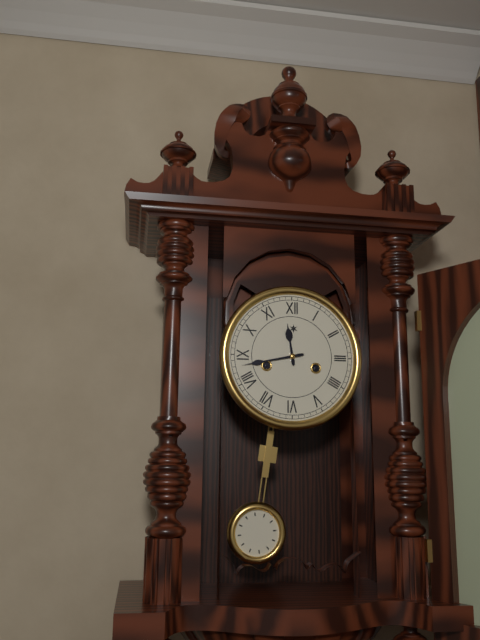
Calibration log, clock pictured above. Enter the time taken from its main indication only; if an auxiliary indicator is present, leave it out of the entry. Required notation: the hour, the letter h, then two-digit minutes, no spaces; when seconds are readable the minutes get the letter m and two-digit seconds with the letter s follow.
11h43
